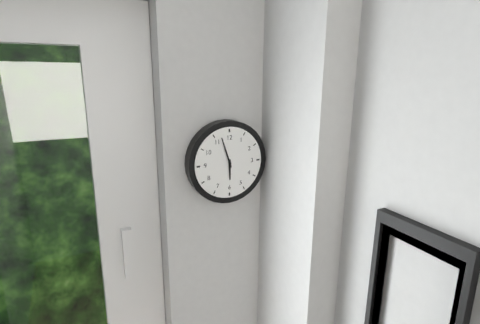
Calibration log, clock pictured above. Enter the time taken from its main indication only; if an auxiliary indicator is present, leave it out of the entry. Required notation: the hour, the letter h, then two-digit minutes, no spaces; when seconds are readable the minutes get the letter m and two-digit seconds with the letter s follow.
5h57
